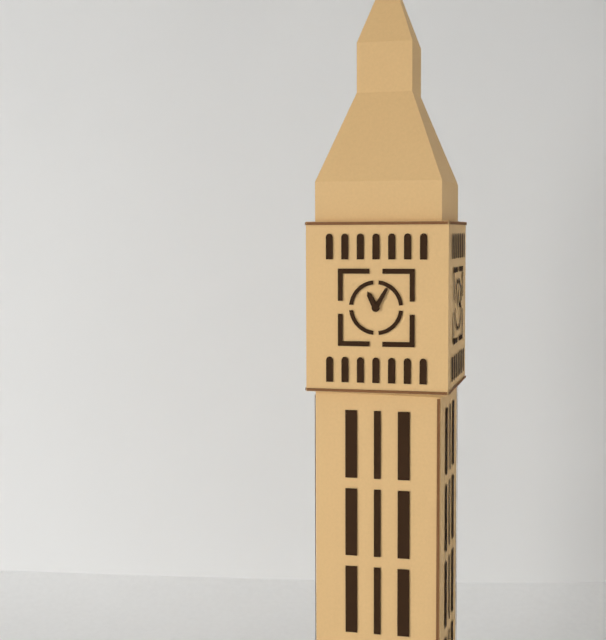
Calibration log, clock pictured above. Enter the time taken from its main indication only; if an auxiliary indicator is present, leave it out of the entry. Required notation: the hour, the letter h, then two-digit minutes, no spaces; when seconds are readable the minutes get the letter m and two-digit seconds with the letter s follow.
11h05
